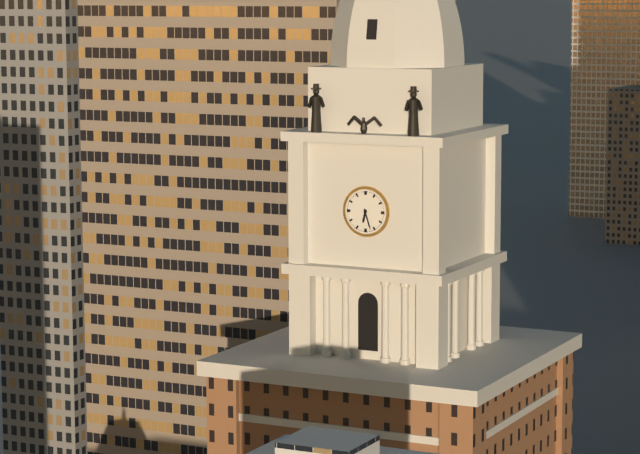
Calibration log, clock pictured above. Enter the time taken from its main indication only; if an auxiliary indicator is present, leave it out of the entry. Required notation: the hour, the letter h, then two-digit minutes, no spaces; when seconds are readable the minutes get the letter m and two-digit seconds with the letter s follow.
6h27
